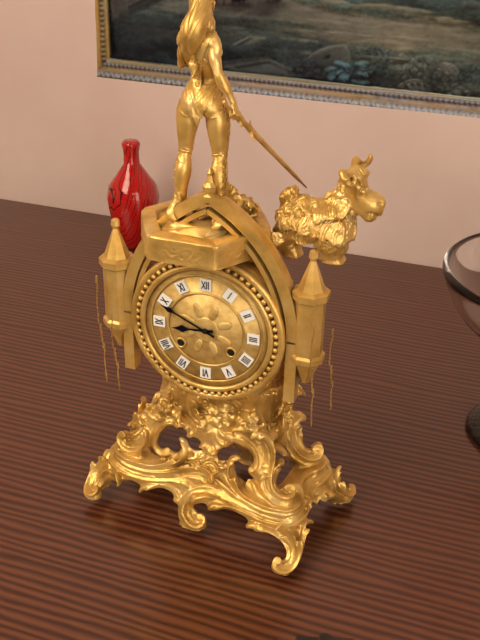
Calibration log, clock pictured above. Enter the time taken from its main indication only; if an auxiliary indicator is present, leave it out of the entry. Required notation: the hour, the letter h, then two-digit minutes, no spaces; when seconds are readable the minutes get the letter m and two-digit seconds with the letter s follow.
8h49
